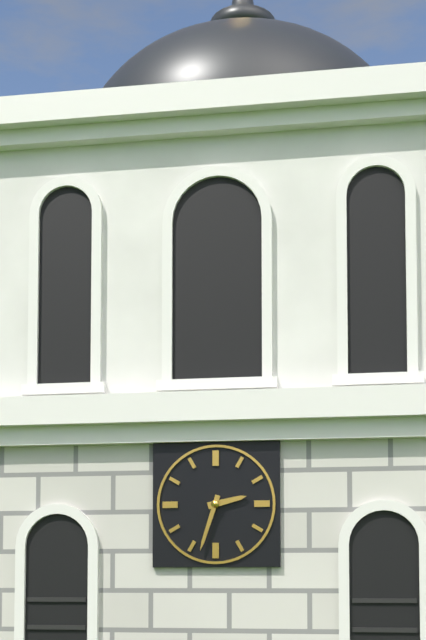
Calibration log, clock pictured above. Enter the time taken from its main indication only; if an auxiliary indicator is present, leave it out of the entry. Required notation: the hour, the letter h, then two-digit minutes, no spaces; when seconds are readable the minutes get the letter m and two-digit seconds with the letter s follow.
2h33
